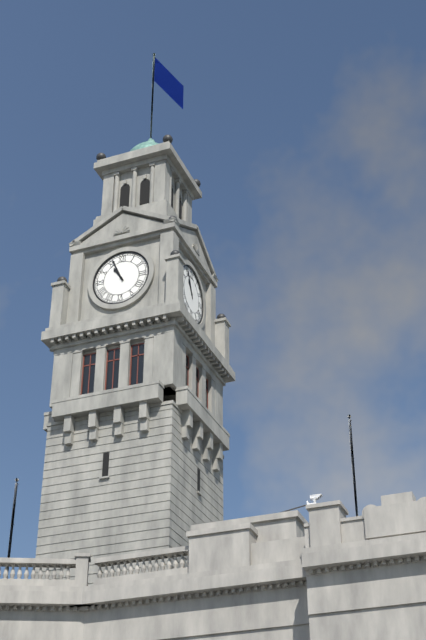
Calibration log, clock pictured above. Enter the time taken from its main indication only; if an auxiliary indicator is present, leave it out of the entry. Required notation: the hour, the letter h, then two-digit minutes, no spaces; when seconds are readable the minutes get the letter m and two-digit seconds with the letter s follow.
10h56
